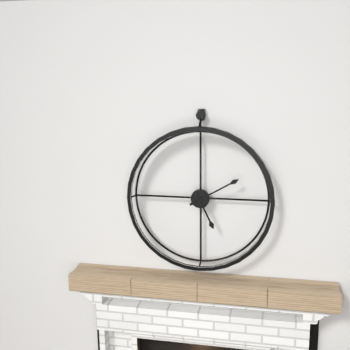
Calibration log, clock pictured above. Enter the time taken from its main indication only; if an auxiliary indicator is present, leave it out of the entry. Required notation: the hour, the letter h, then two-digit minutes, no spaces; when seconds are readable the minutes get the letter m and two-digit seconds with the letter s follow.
5h10
